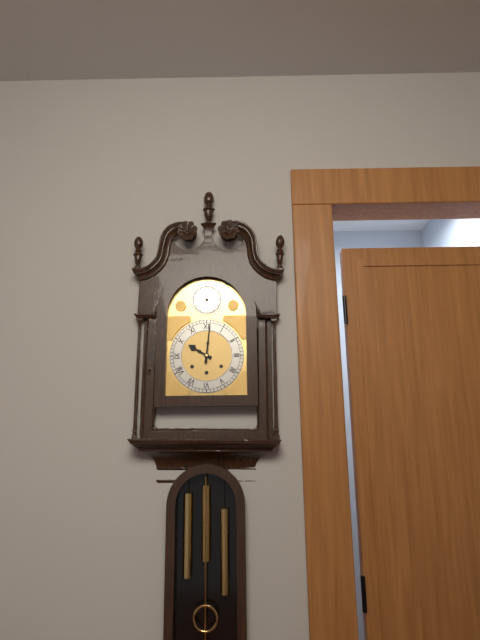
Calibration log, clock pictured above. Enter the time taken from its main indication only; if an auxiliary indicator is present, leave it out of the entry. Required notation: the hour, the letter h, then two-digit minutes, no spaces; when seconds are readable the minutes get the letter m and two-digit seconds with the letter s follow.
10h01
